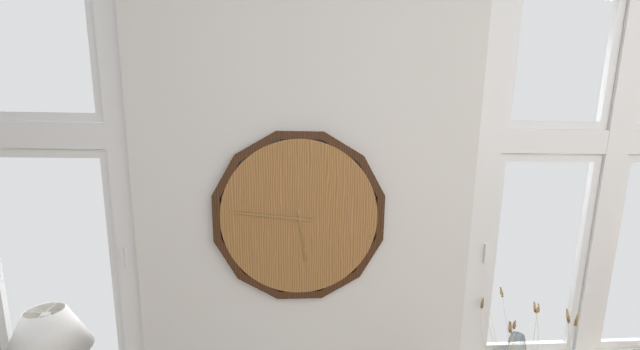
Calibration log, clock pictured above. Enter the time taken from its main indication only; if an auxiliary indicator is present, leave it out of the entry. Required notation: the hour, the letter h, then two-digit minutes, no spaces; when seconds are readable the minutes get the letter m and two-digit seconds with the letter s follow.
5h46
